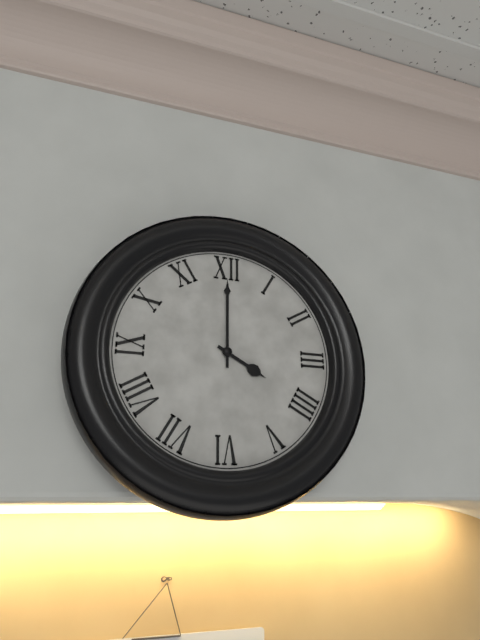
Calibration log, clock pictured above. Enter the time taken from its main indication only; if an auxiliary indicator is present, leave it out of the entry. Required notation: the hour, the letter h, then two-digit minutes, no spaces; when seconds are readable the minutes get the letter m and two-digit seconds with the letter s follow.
4h00
